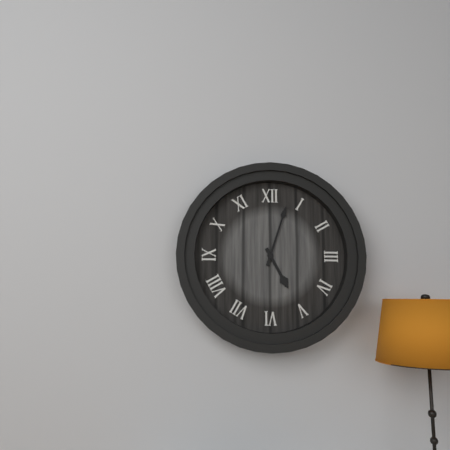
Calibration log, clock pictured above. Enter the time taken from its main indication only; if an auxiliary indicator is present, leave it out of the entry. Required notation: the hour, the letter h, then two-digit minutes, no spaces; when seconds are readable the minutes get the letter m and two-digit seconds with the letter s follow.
5h03
